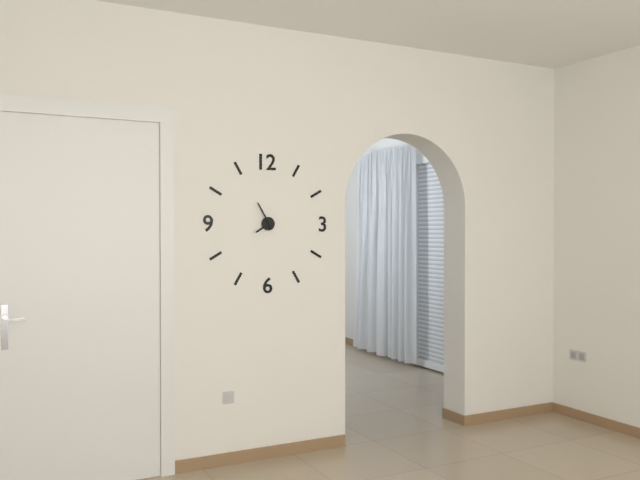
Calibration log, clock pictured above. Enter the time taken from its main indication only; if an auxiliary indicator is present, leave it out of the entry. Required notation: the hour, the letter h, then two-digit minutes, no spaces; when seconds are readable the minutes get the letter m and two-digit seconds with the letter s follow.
7h55
